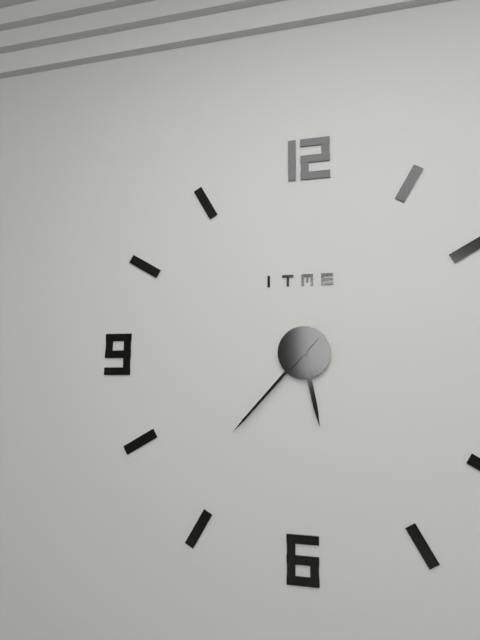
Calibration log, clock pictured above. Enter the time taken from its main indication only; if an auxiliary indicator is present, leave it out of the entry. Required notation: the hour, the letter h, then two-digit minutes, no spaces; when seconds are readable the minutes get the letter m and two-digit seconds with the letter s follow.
5h37
